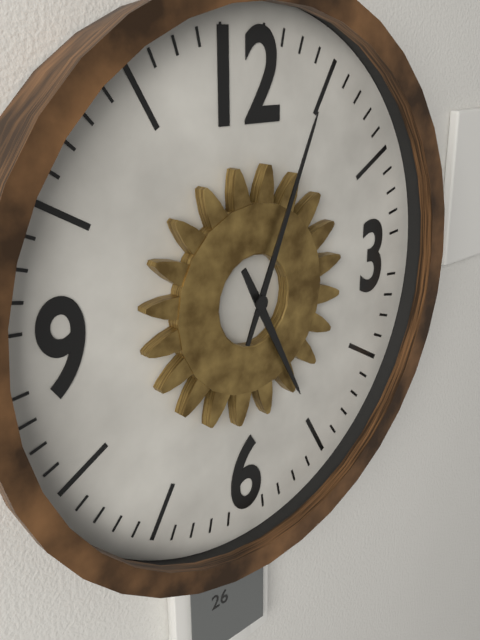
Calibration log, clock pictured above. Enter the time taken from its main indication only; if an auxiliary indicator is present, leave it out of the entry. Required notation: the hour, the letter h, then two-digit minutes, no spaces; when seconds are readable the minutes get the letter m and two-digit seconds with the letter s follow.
5h04
